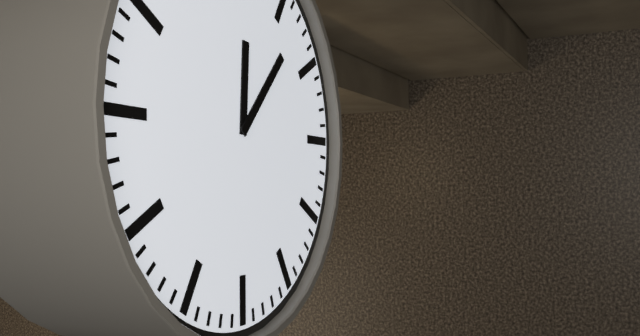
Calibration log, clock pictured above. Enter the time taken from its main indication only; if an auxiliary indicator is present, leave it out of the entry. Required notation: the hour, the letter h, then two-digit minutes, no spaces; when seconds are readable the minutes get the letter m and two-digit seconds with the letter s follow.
12h07
